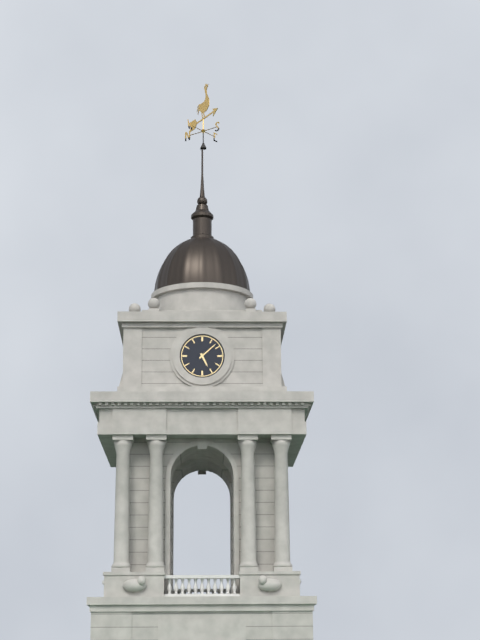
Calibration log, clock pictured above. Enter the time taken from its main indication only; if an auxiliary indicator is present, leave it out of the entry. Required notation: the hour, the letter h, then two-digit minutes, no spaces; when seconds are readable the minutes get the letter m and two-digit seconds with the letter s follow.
5h08
